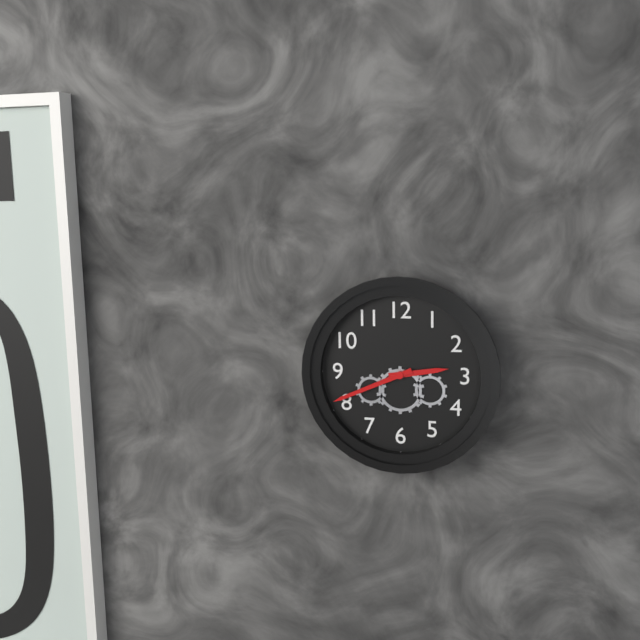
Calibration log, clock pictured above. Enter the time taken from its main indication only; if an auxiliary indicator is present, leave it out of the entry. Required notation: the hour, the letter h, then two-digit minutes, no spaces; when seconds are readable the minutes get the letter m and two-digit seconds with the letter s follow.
2h41
